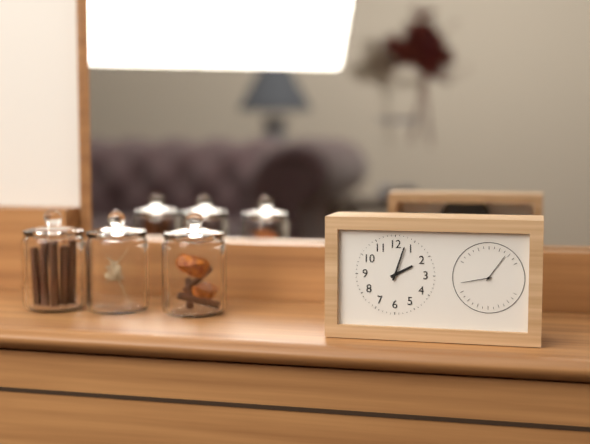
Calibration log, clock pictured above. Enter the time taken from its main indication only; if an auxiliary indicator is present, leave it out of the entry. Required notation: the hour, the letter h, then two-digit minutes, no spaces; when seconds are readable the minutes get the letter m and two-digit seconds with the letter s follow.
2h03
